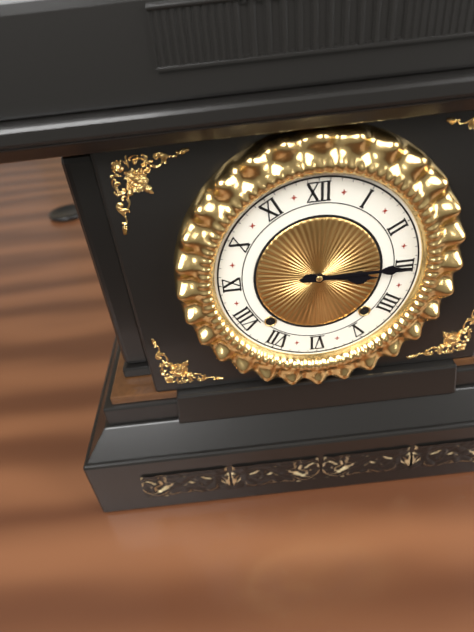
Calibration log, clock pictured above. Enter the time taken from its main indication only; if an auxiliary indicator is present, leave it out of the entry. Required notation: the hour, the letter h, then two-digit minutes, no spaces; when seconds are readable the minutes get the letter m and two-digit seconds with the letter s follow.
3h15
